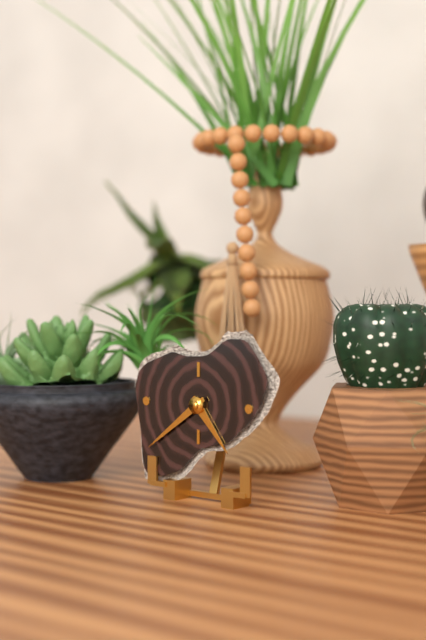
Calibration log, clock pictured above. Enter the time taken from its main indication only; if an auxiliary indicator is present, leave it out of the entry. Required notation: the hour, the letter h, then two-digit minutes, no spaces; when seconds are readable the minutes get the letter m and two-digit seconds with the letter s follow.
4h39
